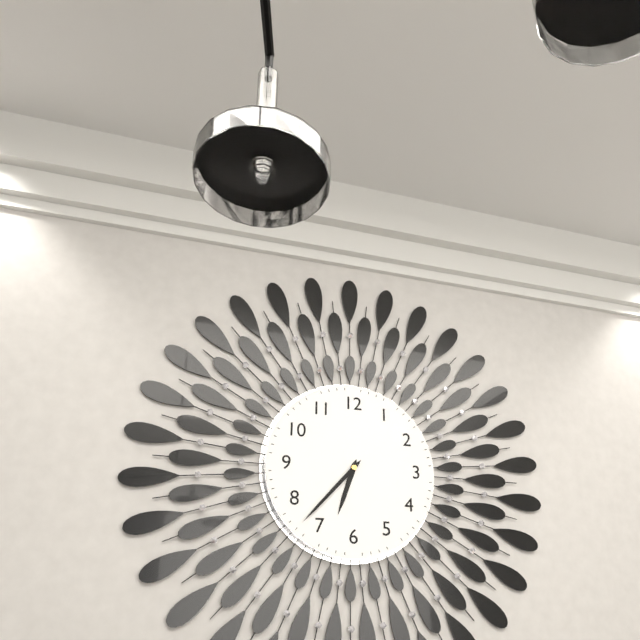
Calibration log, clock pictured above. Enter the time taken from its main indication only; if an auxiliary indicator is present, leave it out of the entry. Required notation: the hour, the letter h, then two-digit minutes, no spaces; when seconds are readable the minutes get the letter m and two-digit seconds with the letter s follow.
6h37
